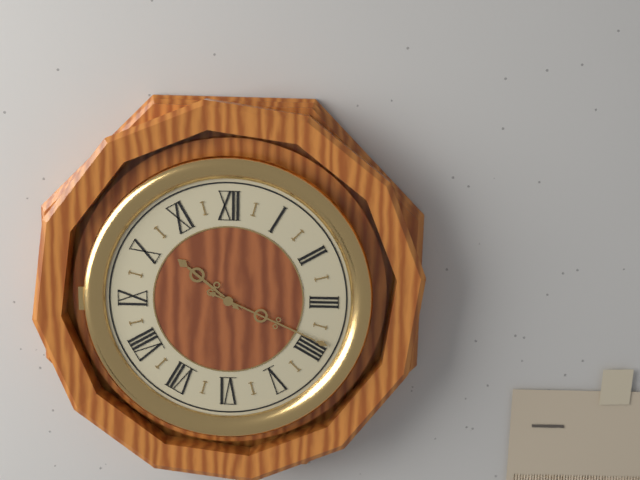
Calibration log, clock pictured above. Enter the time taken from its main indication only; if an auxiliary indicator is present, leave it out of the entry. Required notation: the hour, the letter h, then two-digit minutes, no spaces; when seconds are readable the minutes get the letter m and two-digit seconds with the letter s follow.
10h19
